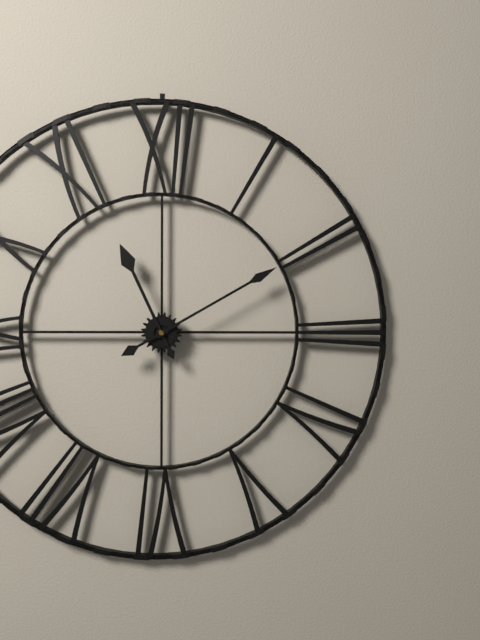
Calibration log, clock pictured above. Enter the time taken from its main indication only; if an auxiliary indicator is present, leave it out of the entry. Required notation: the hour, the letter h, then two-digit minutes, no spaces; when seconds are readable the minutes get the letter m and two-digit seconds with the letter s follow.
11h10
